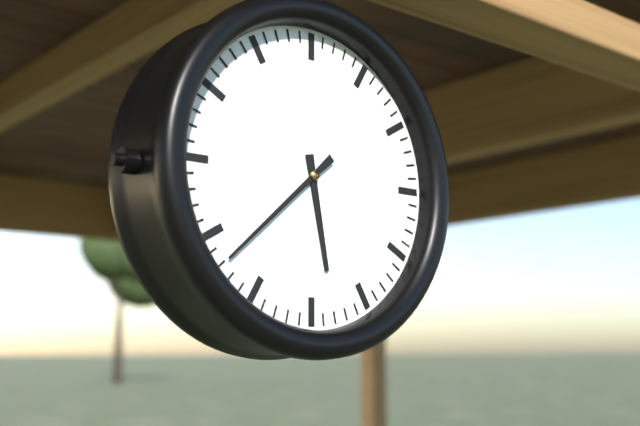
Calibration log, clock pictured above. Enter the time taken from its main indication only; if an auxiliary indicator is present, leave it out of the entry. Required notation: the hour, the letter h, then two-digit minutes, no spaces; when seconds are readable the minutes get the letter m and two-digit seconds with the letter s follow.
5h38
